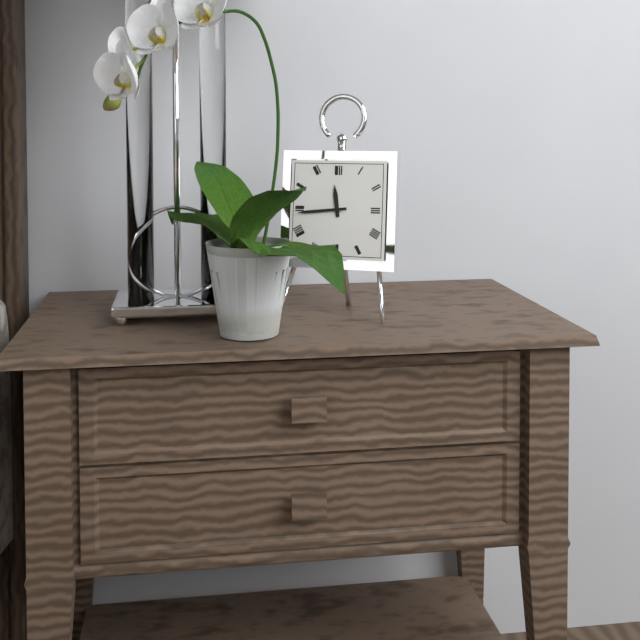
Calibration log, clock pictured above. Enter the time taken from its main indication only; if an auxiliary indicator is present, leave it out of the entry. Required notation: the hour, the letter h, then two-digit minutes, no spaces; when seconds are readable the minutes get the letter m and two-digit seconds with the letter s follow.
11h44
